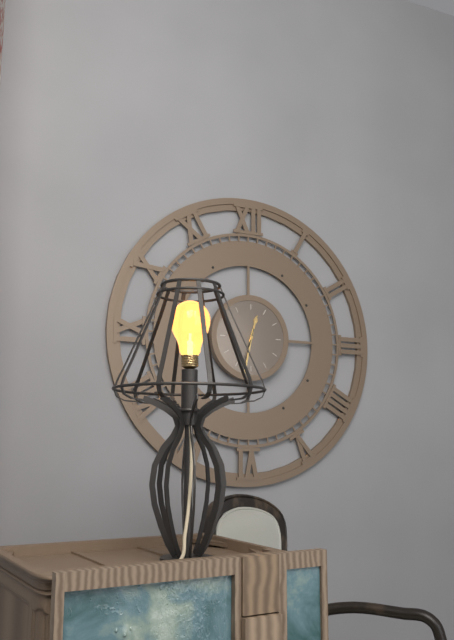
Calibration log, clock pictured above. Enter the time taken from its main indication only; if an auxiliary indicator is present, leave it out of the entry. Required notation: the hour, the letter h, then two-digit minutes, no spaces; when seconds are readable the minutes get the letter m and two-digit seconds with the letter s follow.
12h32
